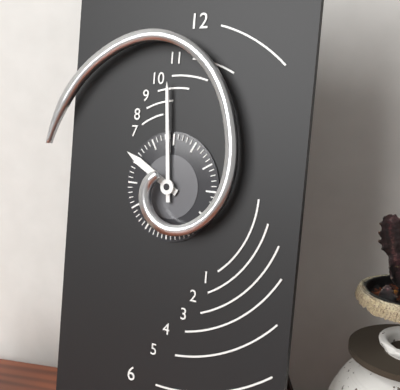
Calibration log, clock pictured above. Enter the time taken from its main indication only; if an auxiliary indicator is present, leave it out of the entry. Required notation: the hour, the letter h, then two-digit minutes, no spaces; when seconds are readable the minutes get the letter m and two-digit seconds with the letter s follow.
9h59
